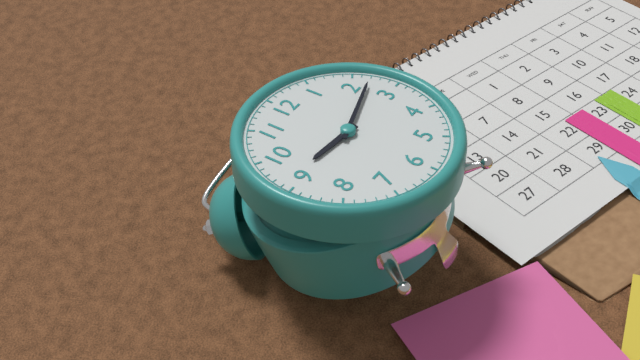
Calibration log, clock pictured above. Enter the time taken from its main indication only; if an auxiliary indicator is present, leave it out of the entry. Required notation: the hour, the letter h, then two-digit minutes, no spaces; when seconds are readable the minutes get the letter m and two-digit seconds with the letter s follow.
9h12
